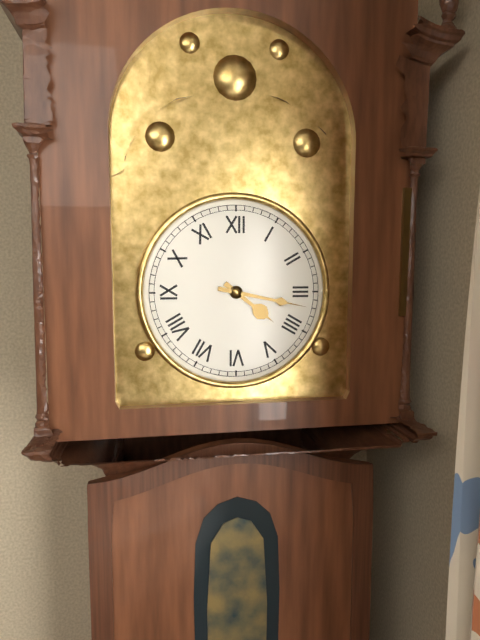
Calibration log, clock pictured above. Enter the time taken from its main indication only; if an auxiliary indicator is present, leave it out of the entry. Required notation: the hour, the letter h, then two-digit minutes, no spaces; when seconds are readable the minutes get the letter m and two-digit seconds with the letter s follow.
4h17
